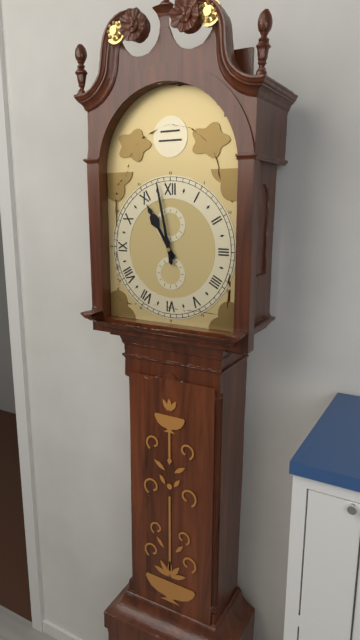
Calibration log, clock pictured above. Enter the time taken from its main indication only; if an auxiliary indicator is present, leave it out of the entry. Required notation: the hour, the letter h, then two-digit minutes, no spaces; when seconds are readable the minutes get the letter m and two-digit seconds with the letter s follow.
10h58
